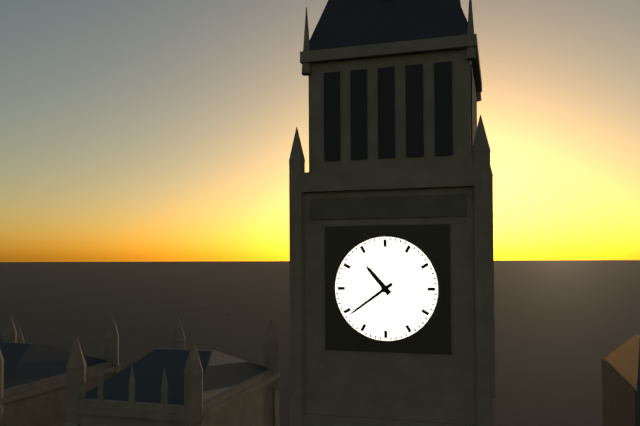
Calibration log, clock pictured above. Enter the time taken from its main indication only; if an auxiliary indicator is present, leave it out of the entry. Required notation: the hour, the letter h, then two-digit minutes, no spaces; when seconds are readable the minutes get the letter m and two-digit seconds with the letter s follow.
10h39
